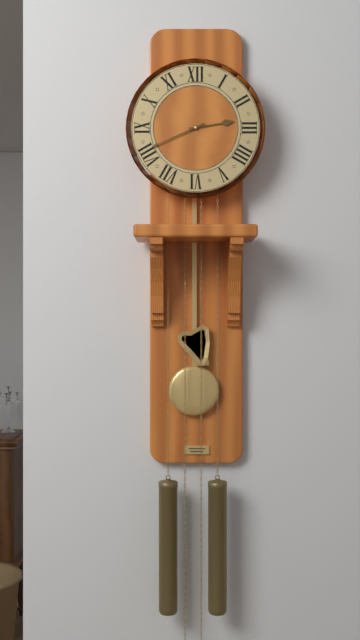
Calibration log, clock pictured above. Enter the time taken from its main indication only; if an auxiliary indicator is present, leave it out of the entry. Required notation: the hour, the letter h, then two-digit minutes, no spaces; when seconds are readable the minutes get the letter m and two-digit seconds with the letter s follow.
2h41
